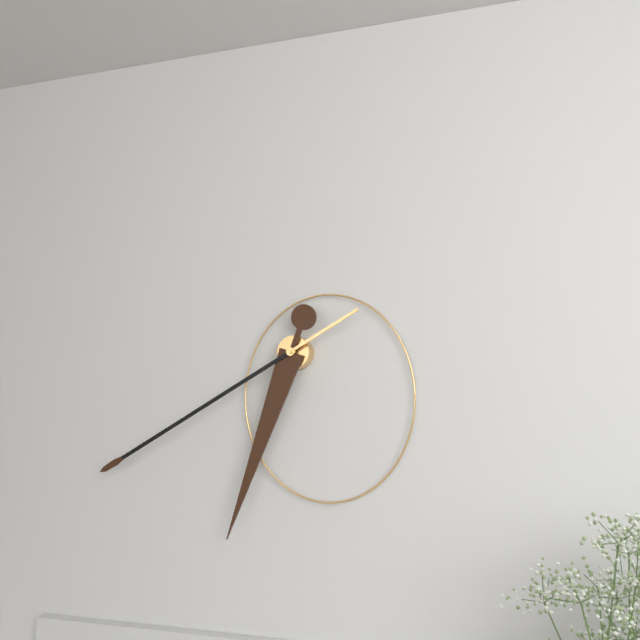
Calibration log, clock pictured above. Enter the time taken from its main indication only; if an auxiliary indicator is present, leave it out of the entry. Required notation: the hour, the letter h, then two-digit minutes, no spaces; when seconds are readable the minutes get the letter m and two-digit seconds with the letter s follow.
6h40
